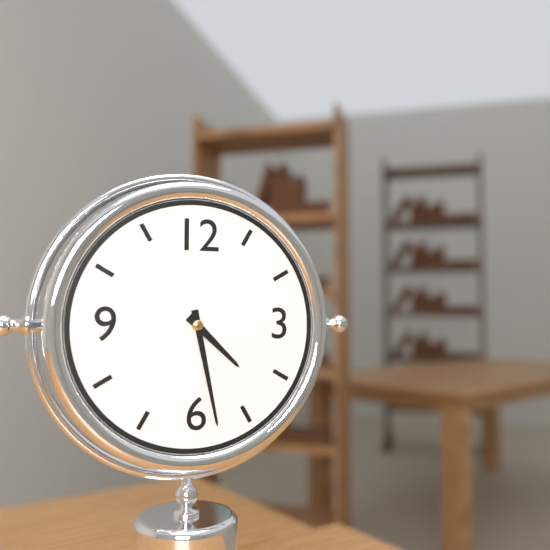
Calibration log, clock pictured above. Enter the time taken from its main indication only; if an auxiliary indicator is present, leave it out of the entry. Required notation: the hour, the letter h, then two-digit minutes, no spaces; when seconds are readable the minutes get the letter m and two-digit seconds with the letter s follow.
4h28
